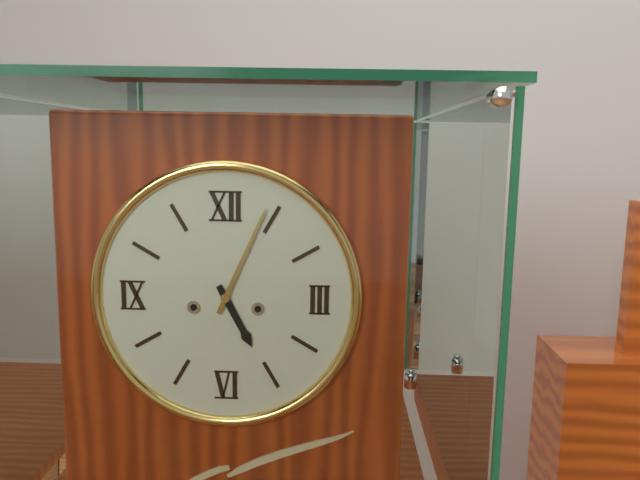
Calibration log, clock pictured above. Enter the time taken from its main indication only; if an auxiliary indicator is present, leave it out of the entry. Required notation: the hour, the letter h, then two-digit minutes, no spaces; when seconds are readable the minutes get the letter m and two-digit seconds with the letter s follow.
5h04
